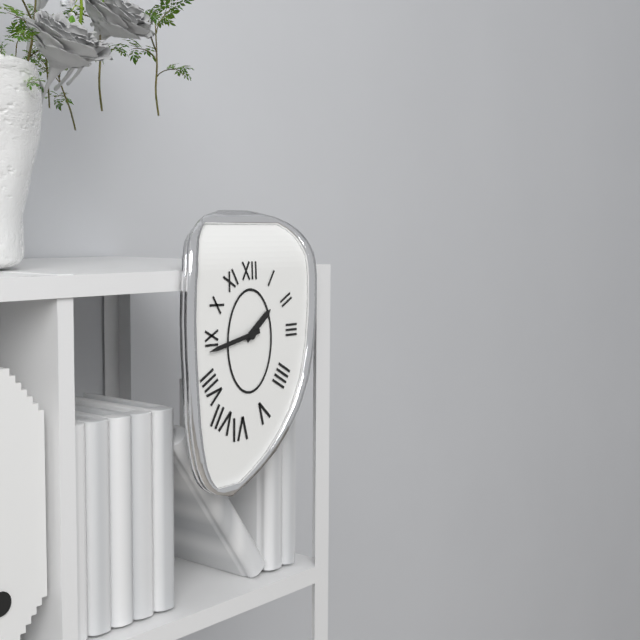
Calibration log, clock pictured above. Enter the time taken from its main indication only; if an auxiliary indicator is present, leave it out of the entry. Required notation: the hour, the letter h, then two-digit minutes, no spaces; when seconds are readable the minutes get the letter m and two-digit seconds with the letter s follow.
1h43
